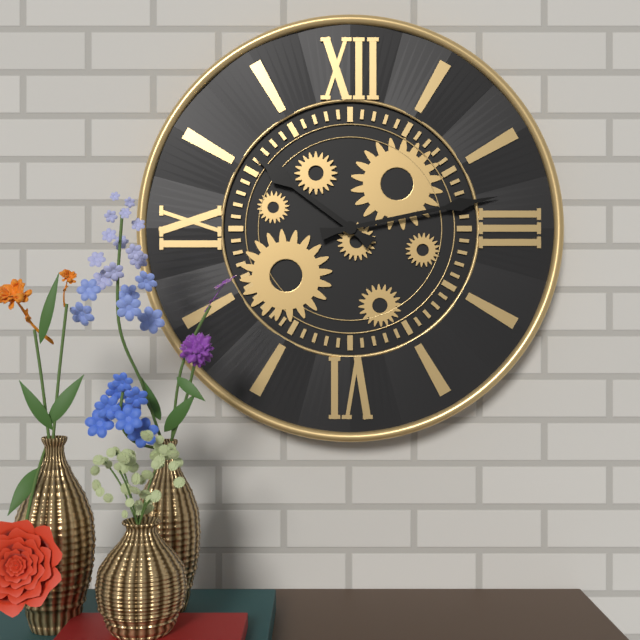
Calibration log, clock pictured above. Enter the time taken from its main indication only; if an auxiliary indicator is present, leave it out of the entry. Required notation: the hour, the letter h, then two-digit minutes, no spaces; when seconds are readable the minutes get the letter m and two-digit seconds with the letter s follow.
10h13
